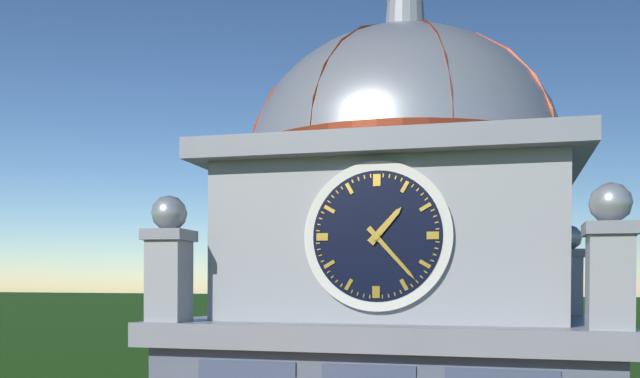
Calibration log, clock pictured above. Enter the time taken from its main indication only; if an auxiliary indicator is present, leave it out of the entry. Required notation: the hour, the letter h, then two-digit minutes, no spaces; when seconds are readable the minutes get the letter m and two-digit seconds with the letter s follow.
1h23
